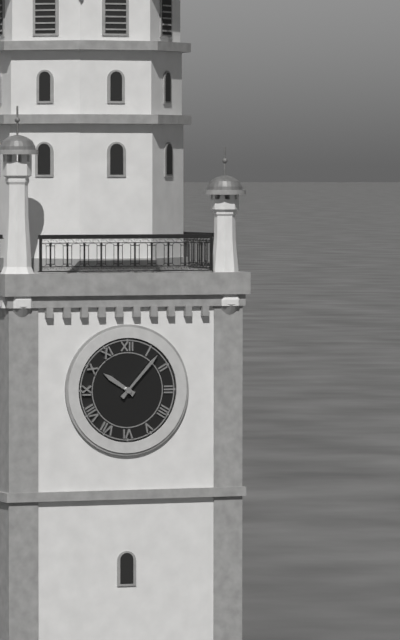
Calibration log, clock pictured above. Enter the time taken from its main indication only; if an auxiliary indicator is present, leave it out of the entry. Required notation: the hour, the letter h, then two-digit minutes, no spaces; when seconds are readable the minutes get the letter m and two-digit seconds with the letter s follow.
10h07
